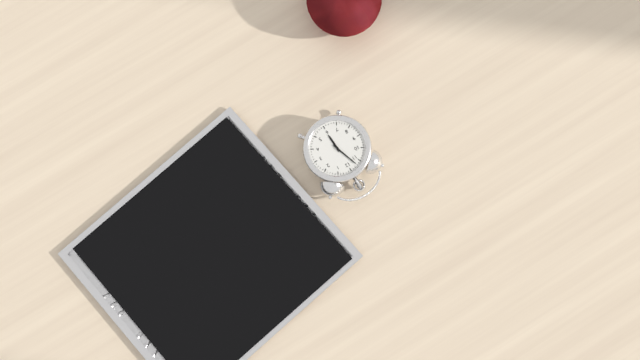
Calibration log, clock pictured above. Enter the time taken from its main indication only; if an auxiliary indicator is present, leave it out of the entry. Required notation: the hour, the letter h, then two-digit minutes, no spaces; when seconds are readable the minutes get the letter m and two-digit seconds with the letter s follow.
5h57
